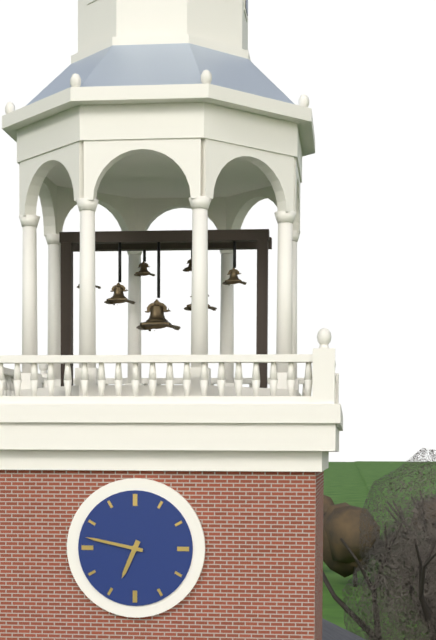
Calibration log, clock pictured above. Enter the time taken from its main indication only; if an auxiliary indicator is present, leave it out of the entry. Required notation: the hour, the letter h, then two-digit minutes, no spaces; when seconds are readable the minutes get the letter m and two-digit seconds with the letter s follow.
6h47
